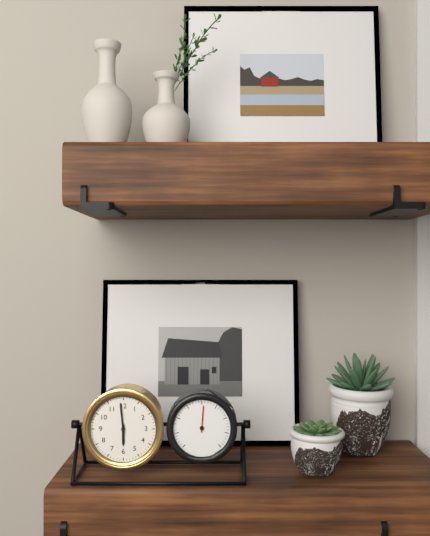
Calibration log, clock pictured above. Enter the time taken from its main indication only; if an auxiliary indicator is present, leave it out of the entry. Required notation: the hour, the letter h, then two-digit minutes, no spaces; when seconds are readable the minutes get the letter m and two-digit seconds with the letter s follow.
5h59
